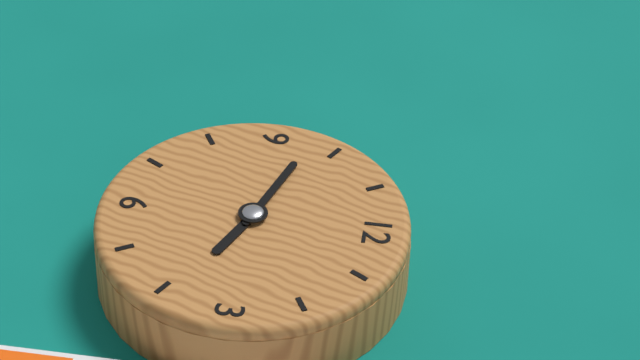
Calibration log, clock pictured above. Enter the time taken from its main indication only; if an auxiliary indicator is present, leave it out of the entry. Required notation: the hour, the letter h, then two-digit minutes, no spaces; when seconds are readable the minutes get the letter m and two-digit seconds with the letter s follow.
3h48
